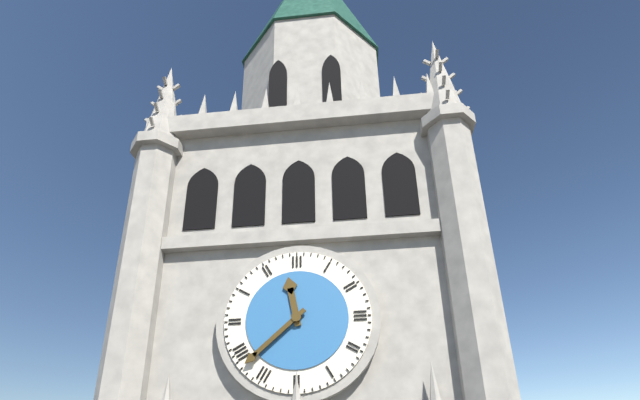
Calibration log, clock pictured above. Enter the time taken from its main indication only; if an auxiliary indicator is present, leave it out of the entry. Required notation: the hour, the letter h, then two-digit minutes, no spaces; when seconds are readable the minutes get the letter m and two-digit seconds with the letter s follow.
11h38
